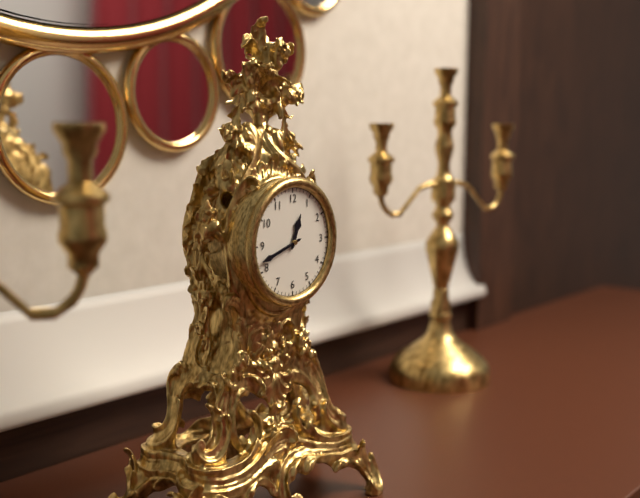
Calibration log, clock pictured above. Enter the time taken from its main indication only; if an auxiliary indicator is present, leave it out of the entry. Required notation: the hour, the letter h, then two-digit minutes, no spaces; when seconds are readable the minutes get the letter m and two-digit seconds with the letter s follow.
12h42
